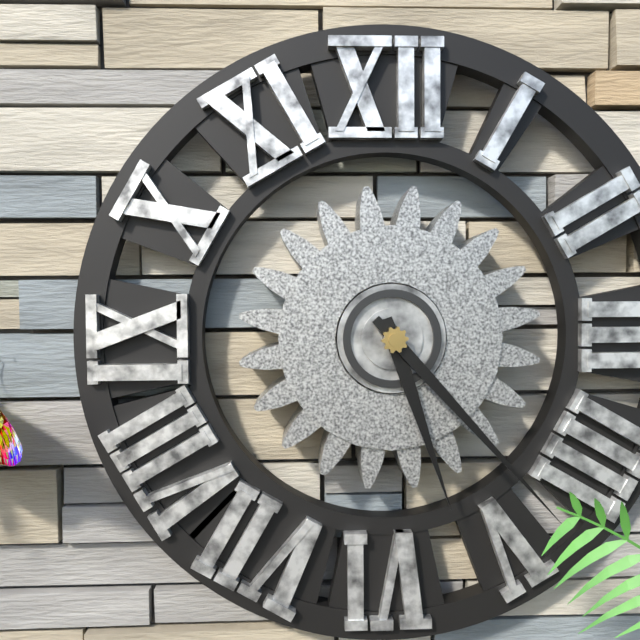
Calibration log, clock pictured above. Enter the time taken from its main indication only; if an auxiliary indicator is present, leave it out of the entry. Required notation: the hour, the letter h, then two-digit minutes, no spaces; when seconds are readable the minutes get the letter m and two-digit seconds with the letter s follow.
5h23
